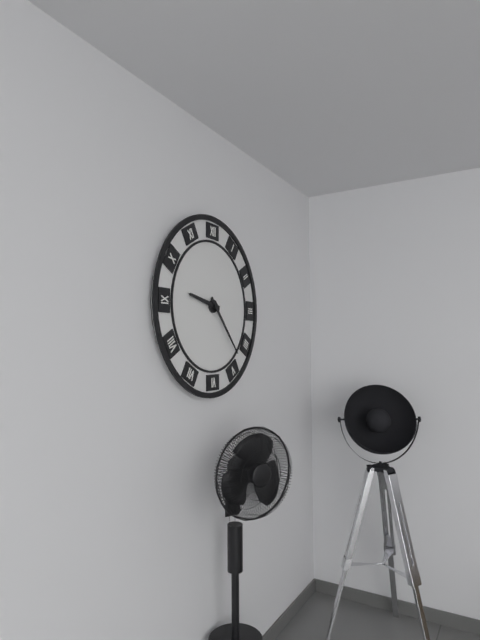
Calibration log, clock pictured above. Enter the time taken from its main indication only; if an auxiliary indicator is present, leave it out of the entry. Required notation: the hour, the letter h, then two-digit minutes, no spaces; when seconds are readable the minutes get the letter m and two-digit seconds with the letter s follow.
9h23
